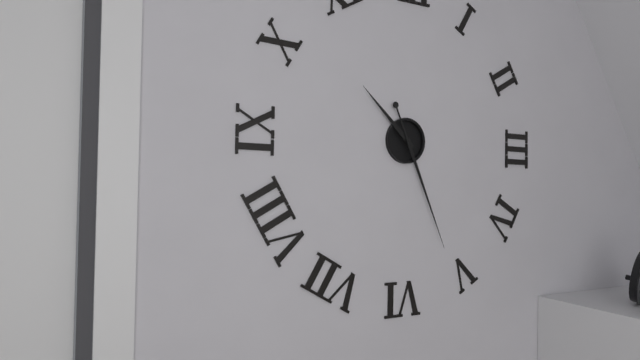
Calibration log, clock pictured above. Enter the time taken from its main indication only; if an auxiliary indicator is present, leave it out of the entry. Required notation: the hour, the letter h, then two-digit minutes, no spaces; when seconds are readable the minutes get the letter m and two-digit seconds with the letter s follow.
10h26
